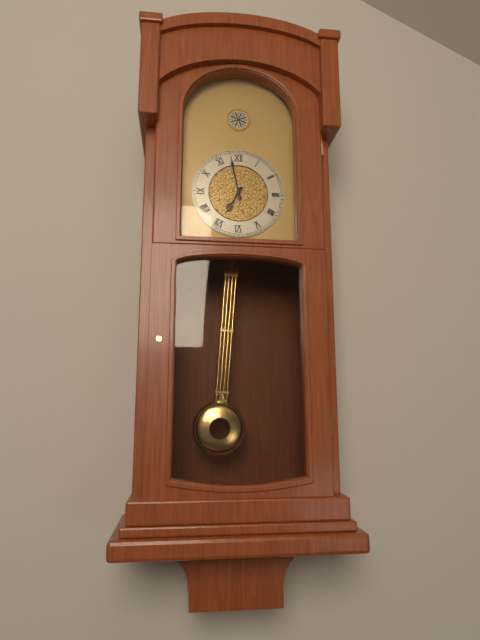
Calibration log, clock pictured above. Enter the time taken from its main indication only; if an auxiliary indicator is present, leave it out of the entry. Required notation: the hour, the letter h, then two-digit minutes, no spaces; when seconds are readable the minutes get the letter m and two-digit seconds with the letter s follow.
6h58
